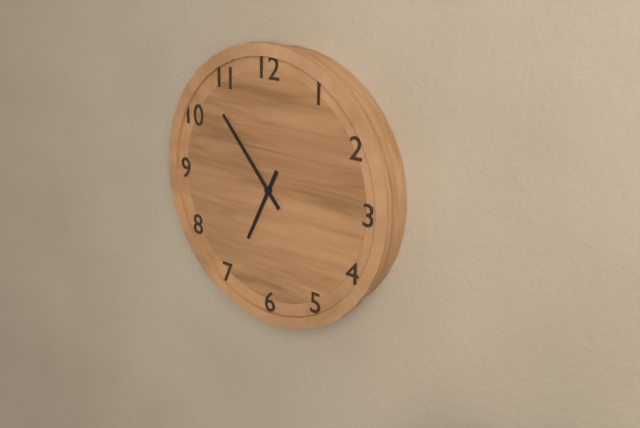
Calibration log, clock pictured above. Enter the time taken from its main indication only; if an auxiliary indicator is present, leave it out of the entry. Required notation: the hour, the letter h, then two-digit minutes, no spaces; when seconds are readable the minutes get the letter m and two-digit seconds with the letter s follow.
6h53
